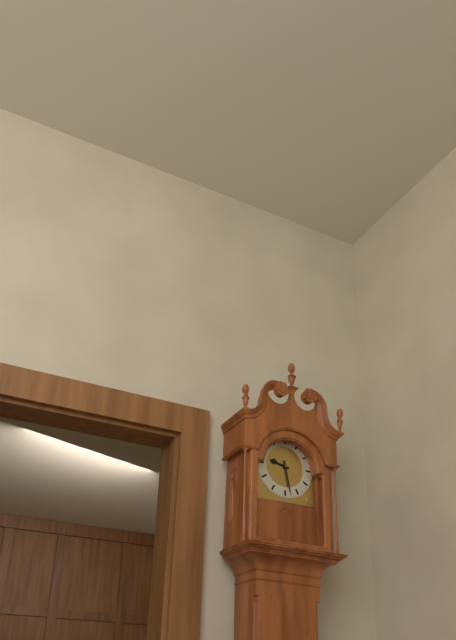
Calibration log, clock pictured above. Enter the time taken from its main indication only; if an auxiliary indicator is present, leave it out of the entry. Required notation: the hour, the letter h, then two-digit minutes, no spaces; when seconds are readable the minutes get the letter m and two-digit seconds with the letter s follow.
9h28
